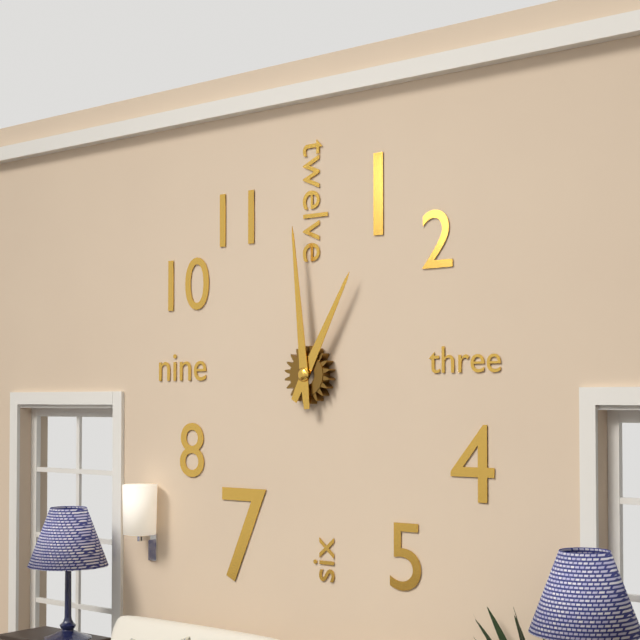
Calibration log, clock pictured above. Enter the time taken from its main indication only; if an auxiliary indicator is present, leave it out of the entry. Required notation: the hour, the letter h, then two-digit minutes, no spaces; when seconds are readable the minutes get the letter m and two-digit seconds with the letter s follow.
12h59
